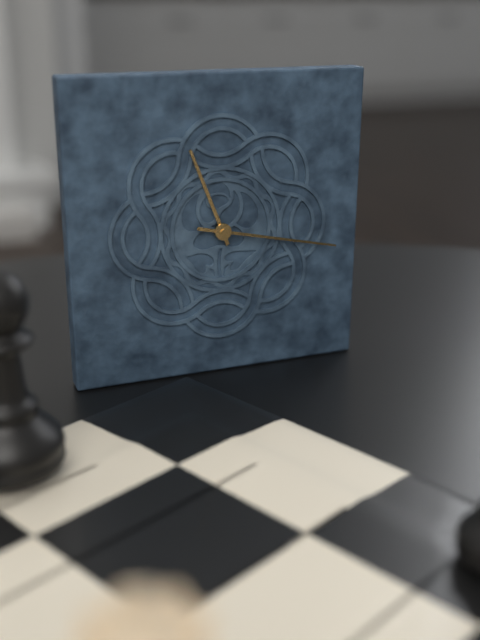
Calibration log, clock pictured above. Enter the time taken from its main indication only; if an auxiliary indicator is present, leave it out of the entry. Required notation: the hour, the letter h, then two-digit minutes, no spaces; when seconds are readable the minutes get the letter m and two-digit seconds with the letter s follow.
11h17
